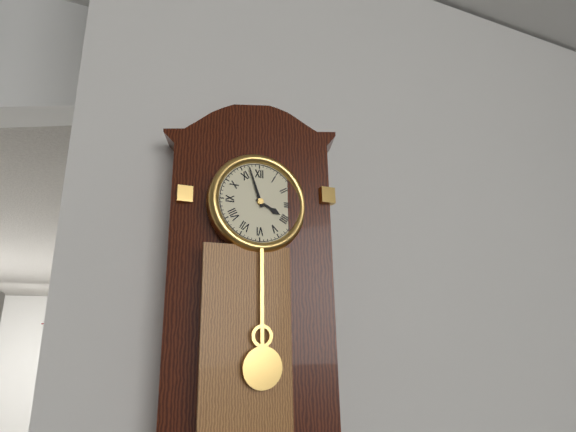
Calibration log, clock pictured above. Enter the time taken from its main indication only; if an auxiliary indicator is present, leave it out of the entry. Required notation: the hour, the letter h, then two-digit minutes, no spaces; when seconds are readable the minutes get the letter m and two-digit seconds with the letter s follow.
3h57
